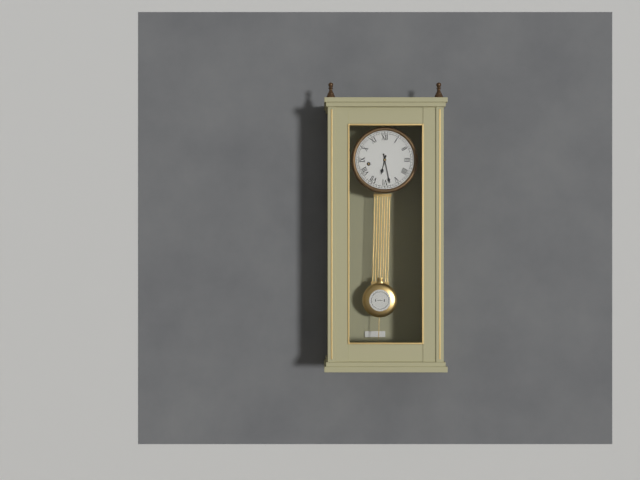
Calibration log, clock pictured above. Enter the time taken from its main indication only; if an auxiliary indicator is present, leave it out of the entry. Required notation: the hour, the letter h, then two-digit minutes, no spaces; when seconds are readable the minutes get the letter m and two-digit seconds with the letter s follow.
6h28
